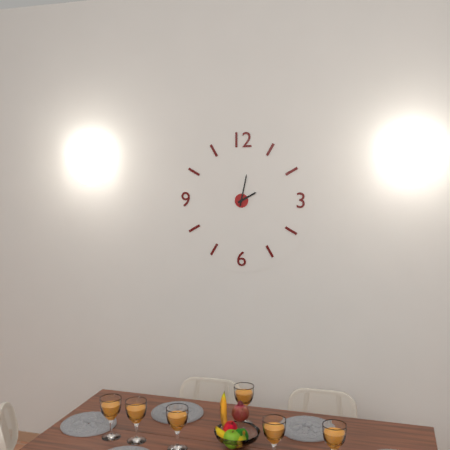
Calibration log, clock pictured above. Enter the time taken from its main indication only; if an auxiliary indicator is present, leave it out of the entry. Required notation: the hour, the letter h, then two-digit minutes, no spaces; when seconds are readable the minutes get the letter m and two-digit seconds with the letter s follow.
2h02
